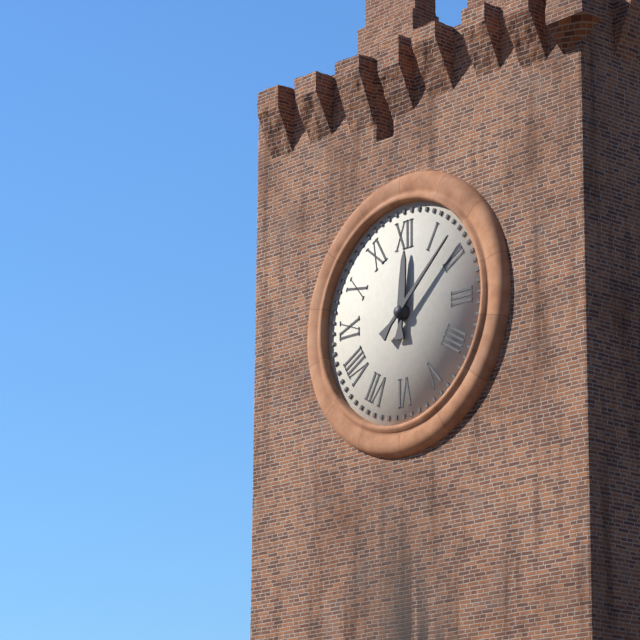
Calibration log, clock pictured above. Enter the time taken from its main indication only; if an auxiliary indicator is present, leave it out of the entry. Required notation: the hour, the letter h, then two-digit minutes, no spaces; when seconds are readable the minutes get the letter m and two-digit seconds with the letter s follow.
12h08
